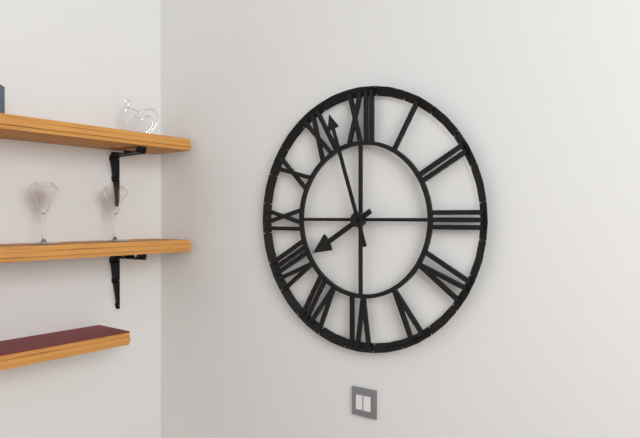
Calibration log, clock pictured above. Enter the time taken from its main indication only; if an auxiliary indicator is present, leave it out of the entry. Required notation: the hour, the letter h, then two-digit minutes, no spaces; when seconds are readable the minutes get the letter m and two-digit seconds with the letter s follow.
7h57
